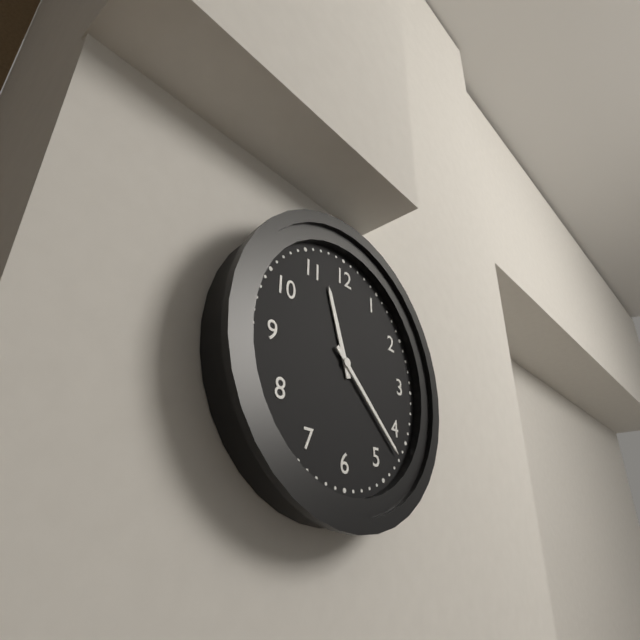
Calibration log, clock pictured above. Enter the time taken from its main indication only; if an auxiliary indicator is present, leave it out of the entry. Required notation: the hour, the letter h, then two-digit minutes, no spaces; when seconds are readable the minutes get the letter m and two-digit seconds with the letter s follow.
11h22
